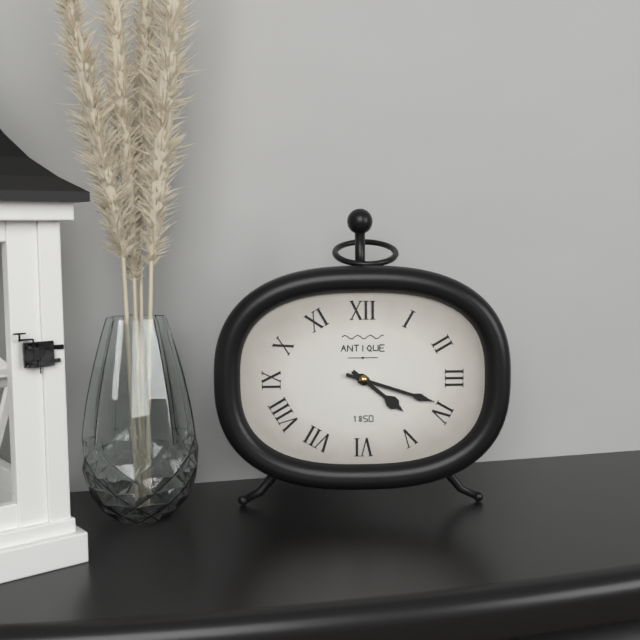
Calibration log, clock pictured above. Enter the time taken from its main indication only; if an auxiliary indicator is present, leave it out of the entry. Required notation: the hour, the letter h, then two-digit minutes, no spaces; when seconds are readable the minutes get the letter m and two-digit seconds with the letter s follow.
4h18
